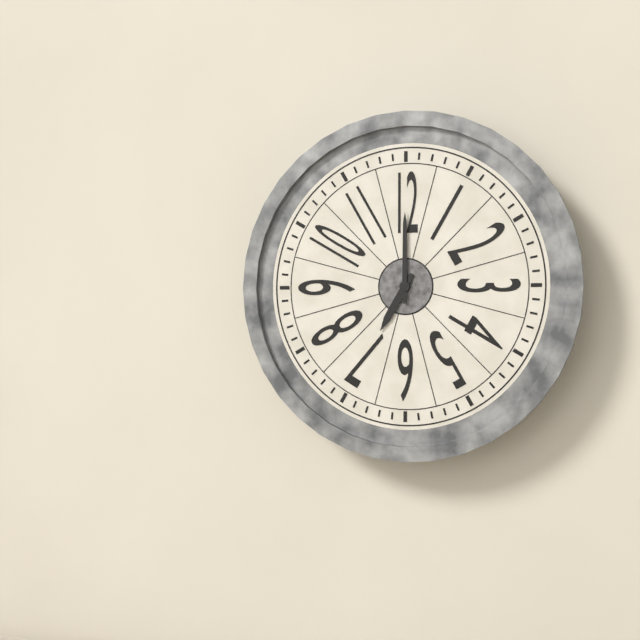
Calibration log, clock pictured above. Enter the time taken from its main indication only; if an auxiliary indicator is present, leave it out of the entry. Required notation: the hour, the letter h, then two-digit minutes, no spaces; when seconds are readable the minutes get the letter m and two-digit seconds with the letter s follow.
7h00
